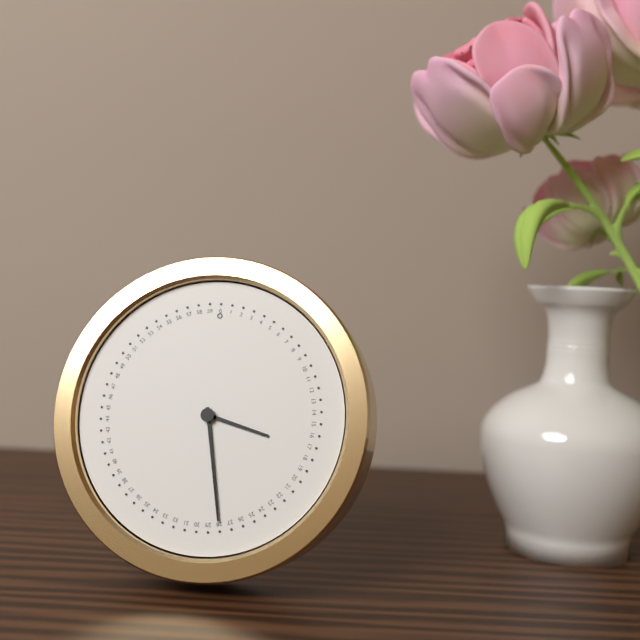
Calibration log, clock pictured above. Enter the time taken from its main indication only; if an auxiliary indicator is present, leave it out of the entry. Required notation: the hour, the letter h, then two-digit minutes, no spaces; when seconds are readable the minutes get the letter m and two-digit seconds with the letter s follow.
3h28
